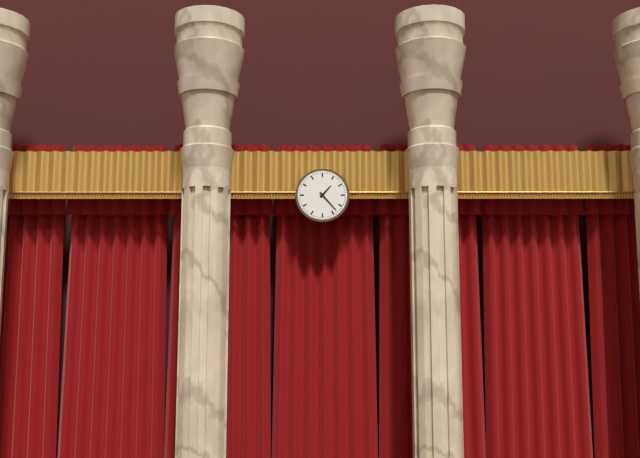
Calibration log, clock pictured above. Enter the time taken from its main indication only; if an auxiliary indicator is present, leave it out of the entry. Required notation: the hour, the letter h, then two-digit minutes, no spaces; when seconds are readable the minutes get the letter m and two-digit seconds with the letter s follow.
1h23
